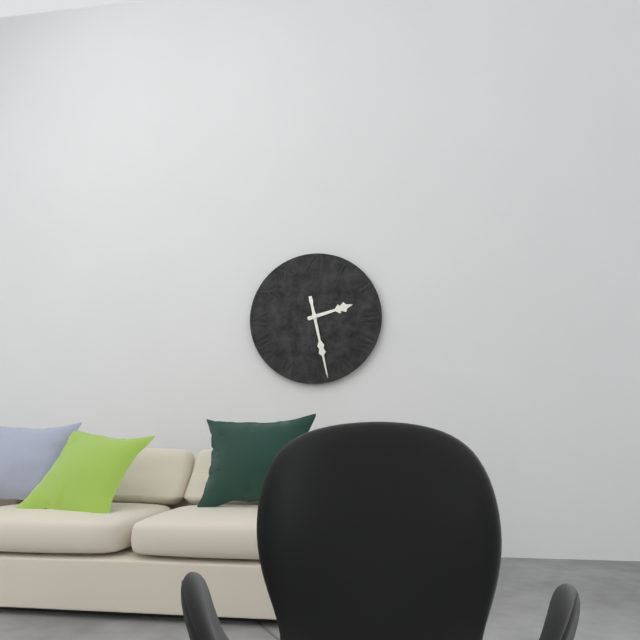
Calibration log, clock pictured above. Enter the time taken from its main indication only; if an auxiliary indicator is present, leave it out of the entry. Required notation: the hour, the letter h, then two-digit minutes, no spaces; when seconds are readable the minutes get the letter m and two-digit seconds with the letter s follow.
2h28
